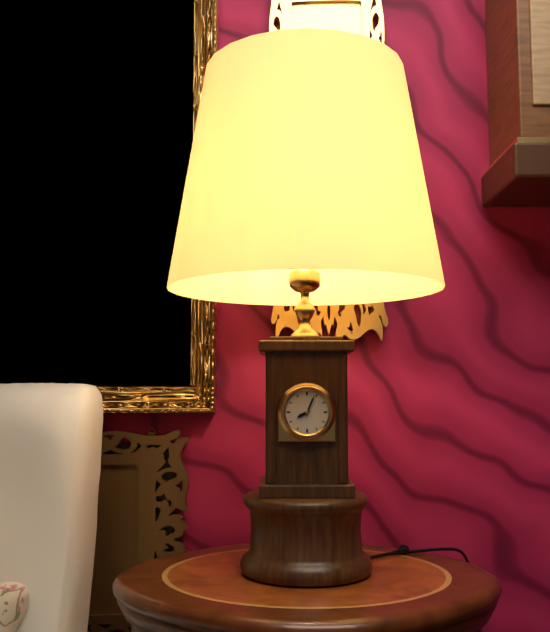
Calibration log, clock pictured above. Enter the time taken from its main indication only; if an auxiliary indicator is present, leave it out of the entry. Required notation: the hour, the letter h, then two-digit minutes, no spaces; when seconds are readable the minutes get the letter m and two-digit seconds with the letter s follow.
8h04
